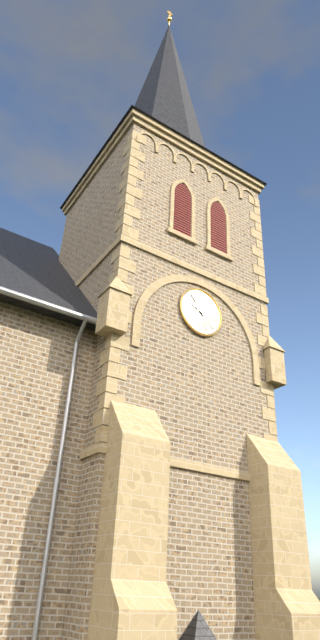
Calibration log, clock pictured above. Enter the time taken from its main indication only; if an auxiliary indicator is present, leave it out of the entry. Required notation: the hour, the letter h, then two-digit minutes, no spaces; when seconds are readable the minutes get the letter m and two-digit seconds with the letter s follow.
9h54
